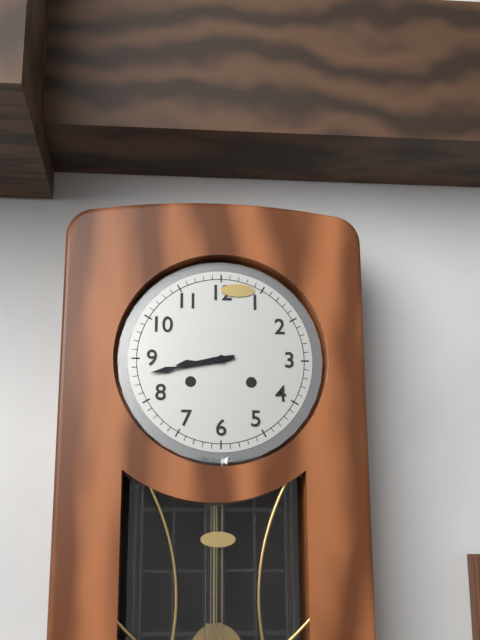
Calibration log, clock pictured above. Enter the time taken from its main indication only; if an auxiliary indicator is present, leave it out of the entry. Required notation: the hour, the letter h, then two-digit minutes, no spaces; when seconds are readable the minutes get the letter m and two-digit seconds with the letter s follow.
8h43
